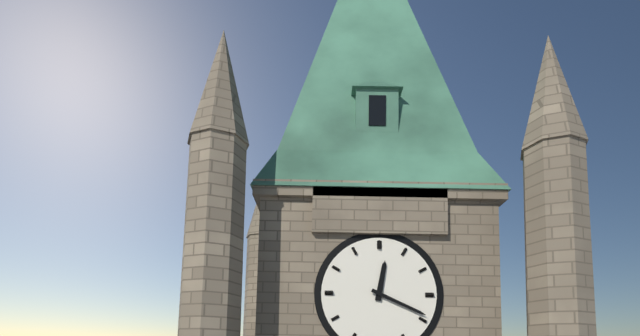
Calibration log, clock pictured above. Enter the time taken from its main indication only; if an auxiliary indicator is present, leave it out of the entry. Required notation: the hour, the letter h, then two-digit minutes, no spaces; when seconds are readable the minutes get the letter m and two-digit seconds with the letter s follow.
12h19
